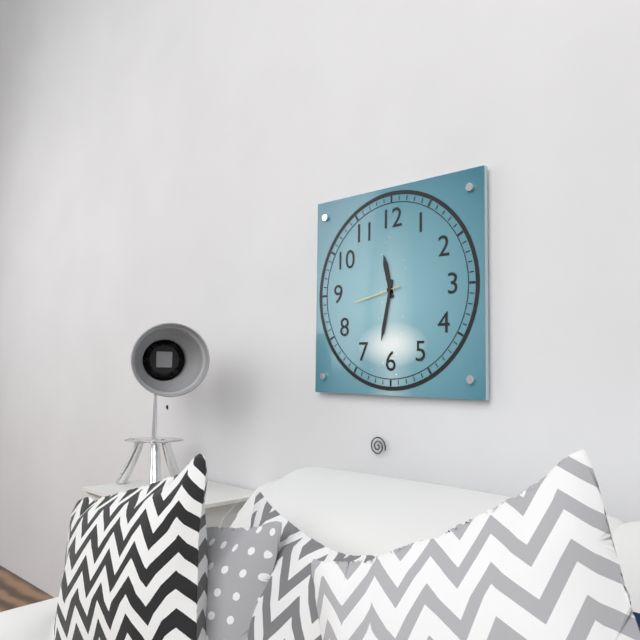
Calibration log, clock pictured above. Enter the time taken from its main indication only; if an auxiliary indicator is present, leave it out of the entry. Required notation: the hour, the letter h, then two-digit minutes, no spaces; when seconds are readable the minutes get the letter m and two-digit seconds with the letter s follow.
11h32
